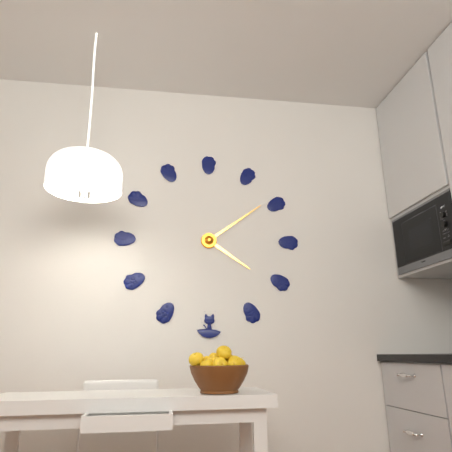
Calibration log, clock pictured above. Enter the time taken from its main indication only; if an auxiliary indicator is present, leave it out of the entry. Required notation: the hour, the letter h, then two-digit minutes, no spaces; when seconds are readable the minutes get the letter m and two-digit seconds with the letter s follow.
4h09
